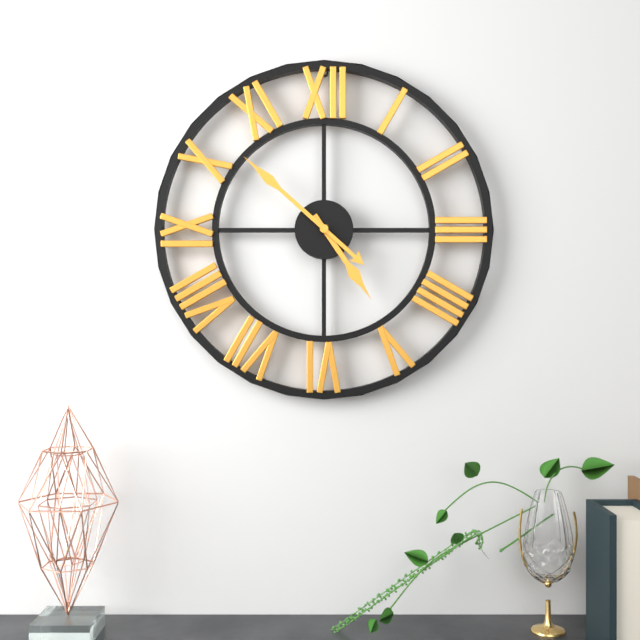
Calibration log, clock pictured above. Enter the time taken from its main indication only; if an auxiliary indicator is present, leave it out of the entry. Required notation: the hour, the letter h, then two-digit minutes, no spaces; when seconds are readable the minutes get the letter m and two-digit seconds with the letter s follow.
4h52
